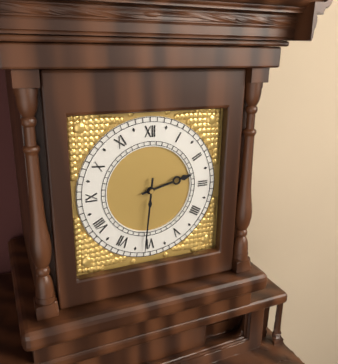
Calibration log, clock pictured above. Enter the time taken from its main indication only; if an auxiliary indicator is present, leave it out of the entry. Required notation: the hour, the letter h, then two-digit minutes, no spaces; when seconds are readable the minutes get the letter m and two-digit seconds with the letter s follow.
2h31
